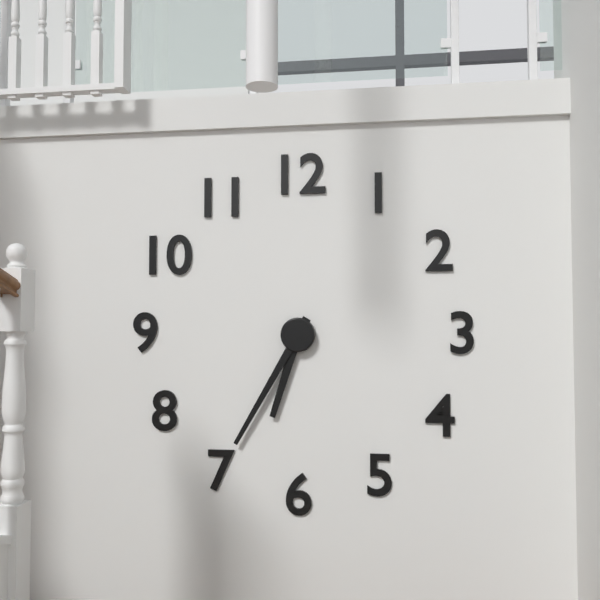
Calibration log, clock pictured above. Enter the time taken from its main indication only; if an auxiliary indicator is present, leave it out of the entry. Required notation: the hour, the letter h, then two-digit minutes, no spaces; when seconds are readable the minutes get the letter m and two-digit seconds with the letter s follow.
6h35
